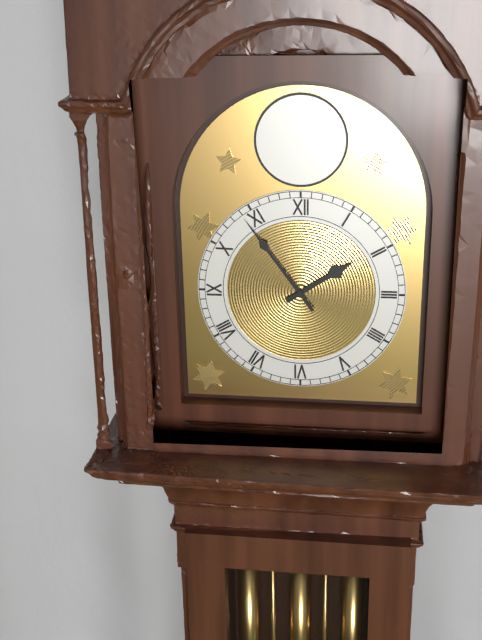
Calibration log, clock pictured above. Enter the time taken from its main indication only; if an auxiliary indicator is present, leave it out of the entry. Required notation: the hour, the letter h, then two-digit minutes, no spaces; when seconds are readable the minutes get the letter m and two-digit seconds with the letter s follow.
1h54
